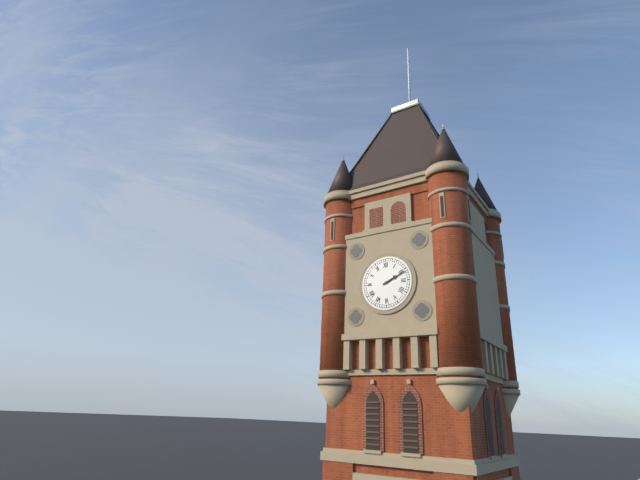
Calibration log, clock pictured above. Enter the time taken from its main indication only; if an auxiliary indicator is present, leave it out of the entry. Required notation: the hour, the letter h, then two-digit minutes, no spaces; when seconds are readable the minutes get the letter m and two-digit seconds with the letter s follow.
2h11
